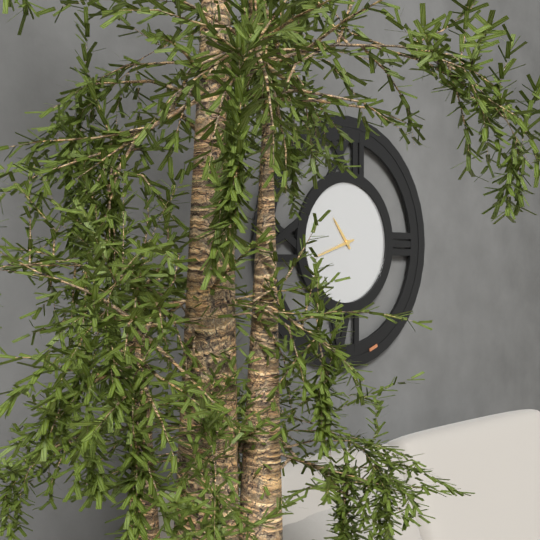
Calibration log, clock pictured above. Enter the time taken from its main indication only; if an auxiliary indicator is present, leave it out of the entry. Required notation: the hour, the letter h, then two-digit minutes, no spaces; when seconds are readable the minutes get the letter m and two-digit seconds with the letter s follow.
10h42
